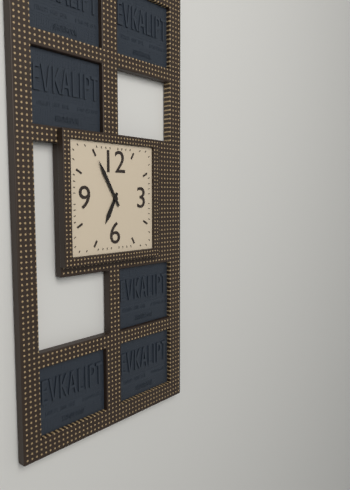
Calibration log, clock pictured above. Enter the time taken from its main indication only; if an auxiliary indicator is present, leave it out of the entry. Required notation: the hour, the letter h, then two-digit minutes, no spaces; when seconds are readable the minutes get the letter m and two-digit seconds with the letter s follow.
6h55
